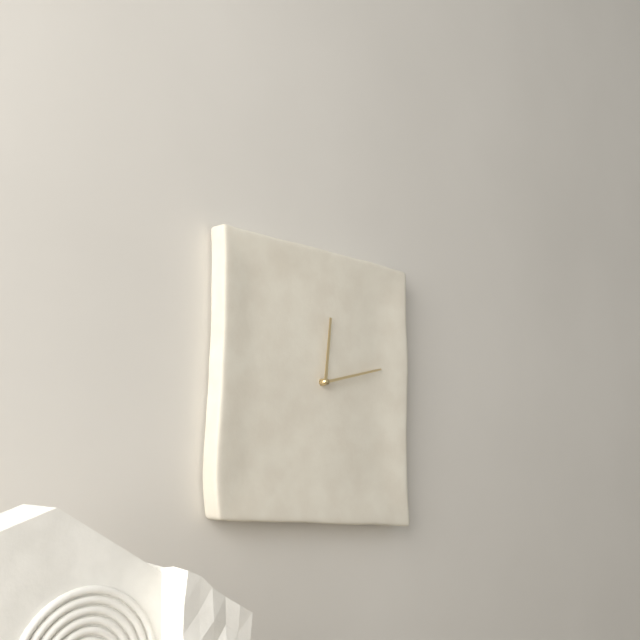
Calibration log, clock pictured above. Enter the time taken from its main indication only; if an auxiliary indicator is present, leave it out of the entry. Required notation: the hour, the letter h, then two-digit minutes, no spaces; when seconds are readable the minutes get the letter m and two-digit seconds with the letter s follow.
12h13
